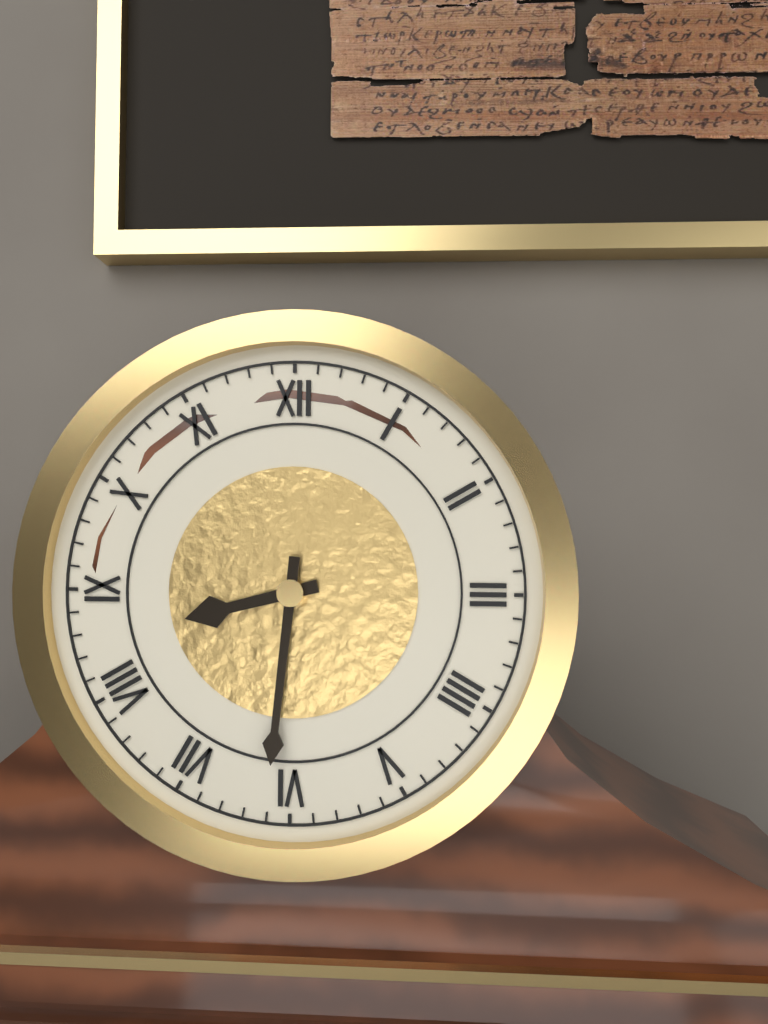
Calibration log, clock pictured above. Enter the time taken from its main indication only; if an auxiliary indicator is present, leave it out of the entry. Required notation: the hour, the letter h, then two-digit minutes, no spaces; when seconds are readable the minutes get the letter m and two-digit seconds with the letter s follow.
8h31
